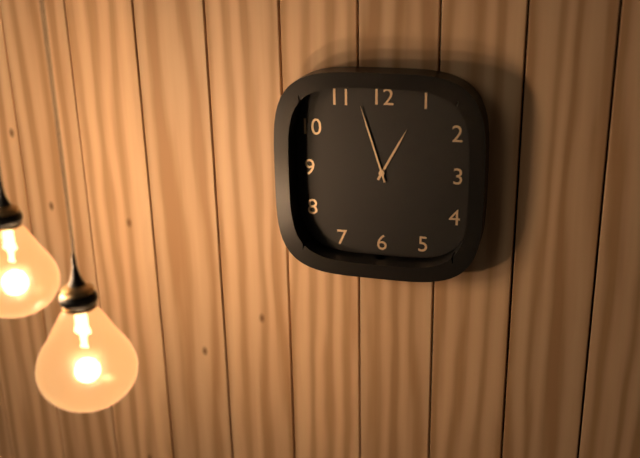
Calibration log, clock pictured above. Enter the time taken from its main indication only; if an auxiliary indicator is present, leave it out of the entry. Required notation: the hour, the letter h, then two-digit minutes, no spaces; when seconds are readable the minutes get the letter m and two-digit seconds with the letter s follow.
12h57
